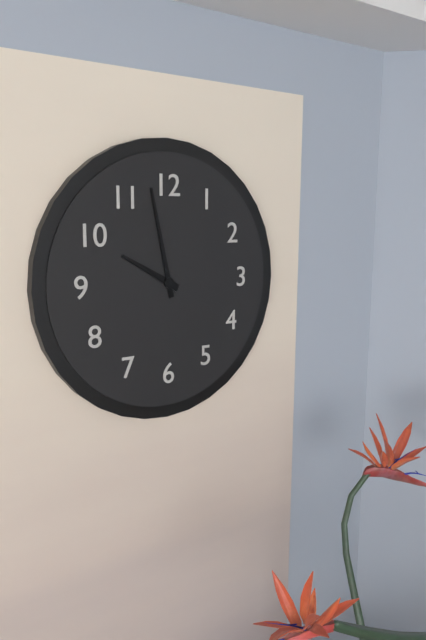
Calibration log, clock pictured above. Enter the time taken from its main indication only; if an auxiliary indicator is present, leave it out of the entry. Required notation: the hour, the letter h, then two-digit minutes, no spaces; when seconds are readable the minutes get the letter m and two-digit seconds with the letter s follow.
9h58
